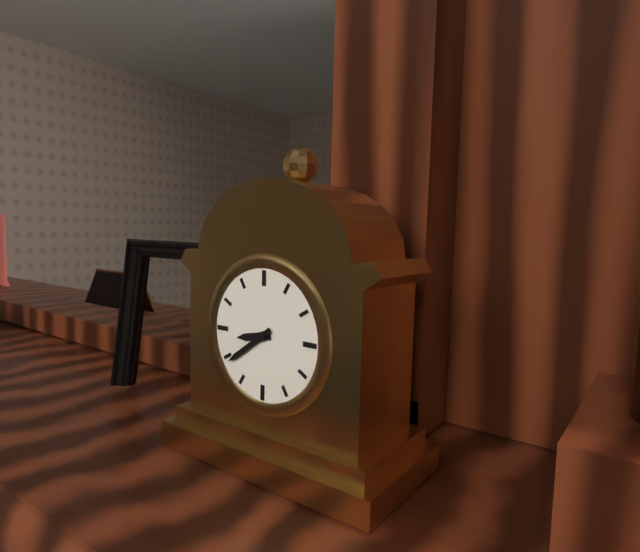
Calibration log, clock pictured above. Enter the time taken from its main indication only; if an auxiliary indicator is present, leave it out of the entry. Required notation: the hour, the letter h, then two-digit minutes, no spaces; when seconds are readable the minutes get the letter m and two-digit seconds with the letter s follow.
8h39
